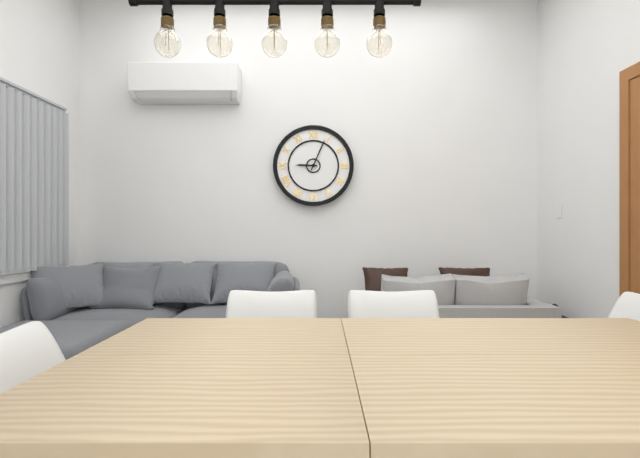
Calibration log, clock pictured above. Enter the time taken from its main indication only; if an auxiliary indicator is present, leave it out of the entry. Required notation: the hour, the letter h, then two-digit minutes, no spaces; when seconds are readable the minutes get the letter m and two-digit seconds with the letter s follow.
9h04
